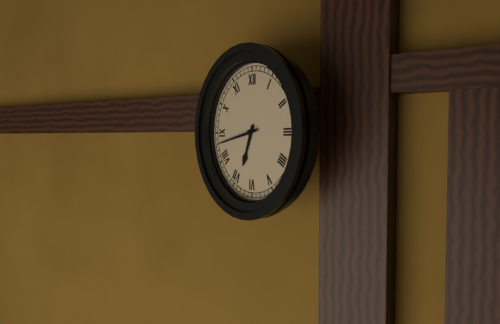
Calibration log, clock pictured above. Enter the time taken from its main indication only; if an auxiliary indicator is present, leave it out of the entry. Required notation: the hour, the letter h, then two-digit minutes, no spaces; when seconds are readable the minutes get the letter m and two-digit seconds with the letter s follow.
6h43
